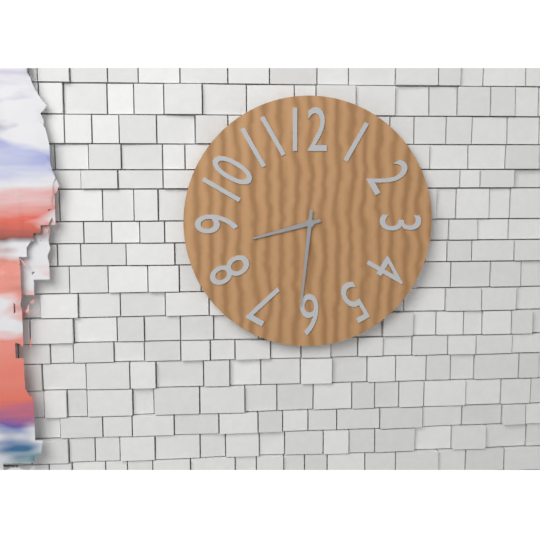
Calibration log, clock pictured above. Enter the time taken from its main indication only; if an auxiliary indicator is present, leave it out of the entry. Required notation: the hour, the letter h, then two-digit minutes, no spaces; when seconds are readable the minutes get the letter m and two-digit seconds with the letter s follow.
8h31
